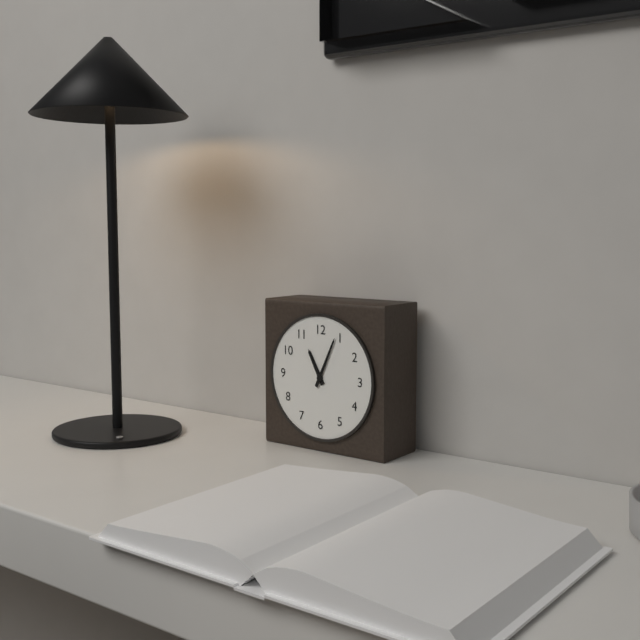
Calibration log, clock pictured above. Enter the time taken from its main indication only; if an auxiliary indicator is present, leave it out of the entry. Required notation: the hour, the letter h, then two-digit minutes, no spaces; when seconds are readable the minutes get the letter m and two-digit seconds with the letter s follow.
11h04
